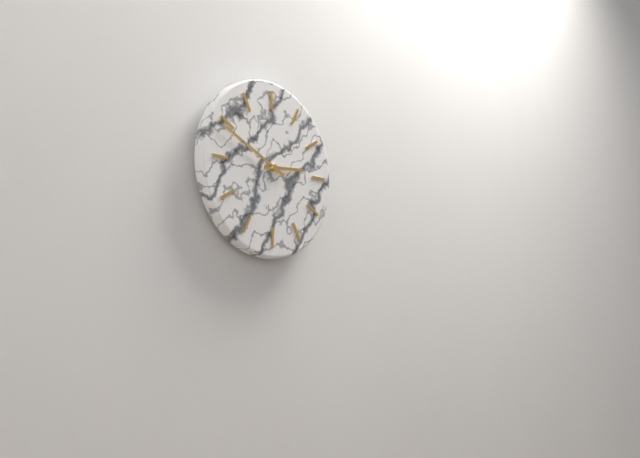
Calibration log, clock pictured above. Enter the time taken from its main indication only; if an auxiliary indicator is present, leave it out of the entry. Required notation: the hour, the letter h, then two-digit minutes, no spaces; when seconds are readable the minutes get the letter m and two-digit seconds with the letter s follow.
2h49
